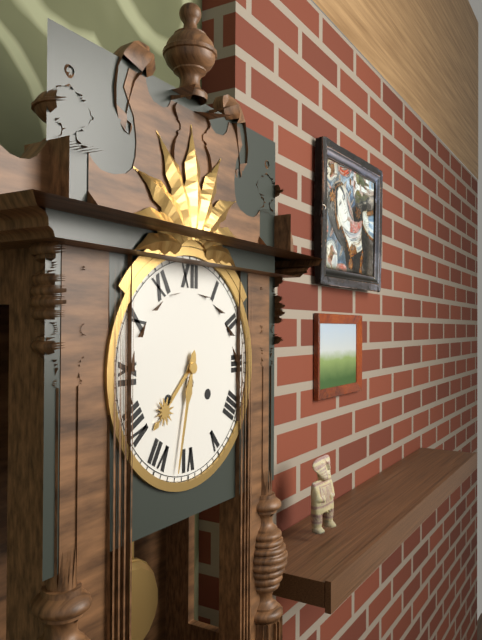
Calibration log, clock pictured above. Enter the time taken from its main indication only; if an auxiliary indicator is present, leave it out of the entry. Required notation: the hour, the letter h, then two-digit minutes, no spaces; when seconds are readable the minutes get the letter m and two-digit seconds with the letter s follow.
7h32
